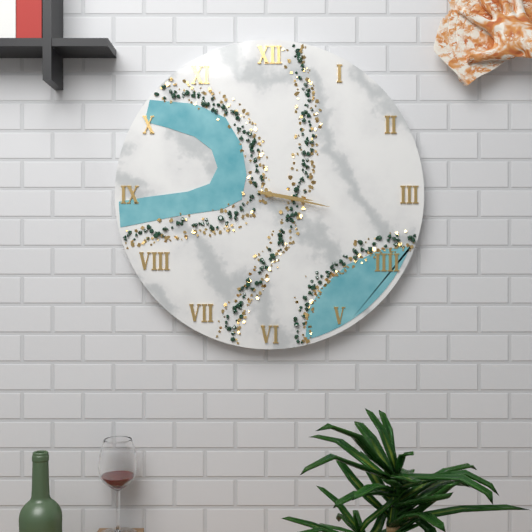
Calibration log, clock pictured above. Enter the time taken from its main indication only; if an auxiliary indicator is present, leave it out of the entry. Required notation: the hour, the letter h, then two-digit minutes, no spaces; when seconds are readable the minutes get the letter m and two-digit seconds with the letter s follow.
3h17
